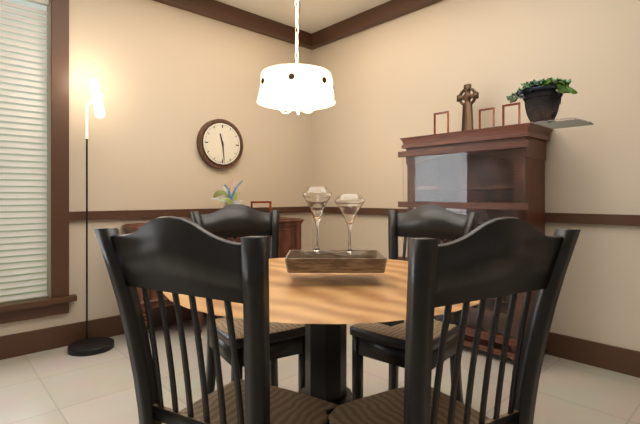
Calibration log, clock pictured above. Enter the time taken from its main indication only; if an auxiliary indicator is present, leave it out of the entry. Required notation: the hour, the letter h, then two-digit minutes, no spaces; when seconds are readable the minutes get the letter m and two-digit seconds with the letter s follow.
11h29
